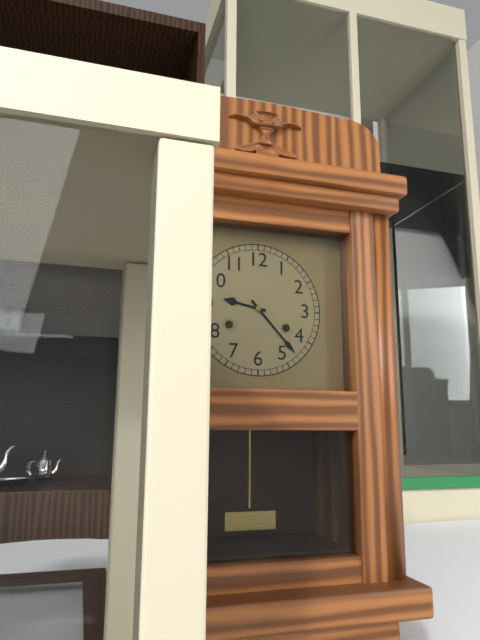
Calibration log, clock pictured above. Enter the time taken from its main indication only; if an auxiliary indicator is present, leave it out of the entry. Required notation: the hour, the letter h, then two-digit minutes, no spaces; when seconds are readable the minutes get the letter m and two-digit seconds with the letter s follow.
9h23
